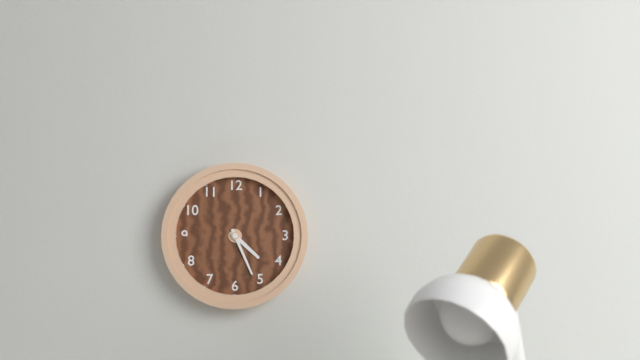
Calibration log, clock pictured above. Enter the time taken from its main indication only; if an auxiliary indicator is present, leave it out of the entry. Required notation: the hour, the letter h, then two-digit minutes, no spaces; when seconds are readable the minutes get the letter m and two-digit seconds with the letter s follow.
4h26
